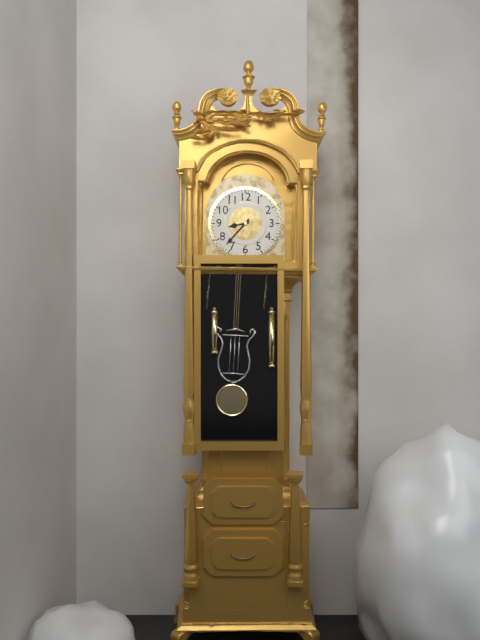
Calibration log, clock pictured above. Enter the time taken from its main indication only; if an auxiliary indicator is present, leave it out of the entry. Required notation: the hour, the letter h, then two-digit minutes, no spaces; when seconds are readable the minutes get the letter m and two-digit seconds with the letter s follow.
8h37
